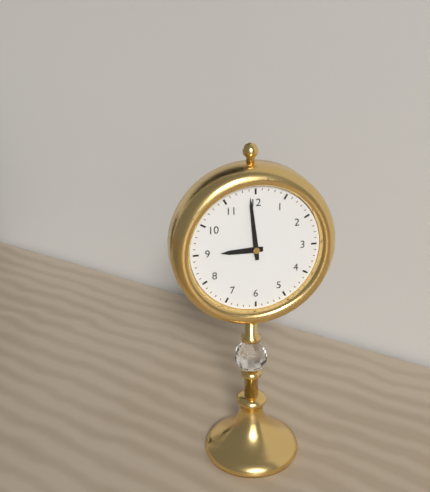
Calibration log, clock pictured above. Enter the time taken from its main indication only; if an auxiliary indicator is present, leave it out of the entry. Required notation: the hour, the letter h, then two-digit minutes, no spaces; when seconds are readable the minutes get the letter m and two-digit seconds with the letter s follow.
8h59
